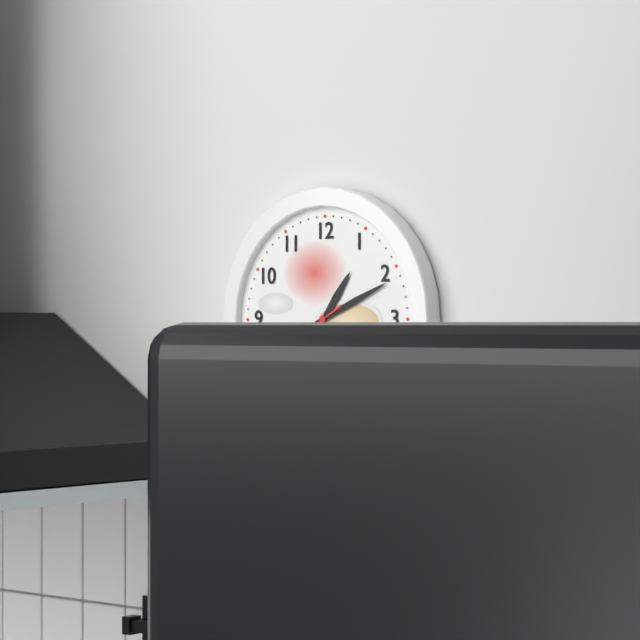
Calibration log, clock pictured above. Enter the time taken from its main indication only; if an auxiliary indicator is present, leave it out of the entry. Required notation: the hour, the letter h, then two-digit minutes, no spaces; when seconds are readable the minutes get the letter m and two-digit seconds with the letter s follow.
1h11
